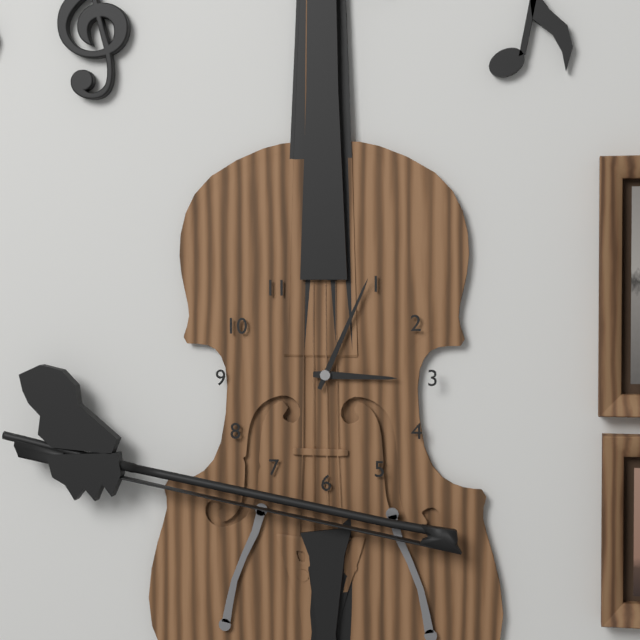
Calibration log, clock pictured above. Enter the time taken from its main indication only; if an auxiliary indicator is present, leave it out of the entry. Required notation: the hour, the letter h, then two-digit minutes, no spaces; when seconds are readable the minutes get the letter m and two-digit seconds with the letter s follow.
3h04
